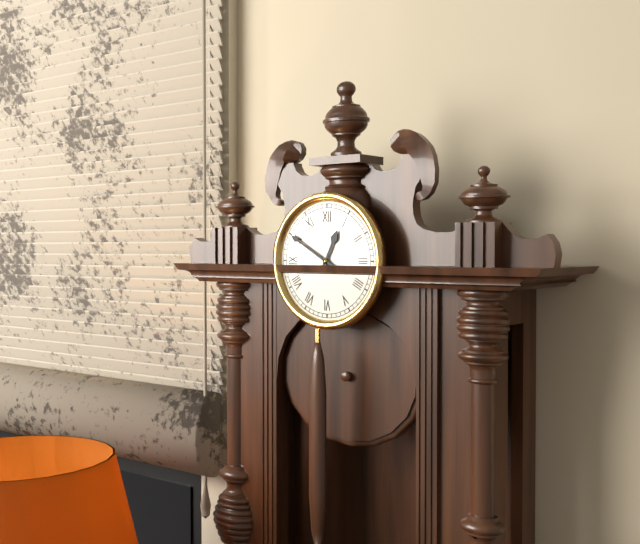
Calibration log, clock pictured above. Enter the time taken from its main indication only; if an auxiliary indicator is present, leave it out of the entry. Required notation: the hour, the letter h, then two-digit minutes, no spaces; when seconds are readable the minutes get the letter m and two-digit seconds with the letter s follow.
12h50
